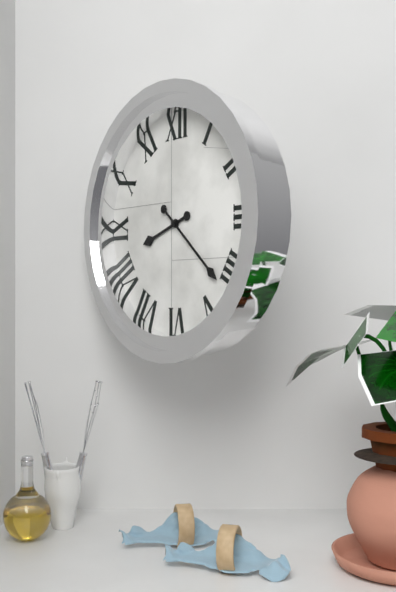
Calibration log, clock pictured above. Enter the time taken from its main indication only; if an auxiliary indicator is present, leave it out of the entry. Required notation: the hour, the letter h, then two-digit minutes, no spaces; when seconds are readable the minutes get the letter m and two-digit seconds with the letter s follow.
8h22
